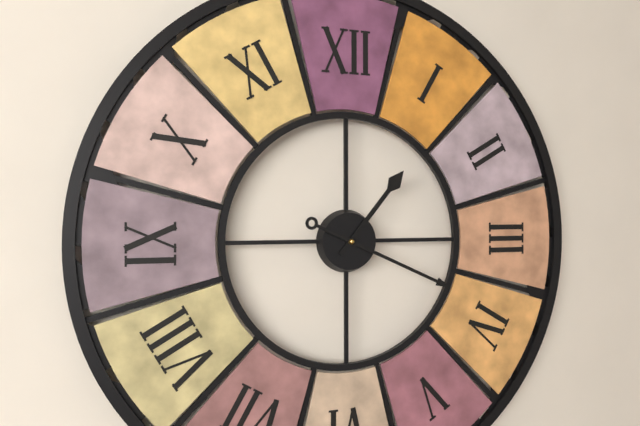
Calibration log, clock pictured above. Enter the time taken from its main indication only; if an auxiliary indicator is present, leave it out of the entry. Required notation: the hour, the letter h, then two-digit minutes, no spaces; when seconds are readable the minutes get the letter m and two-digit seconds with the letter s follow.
1h19
